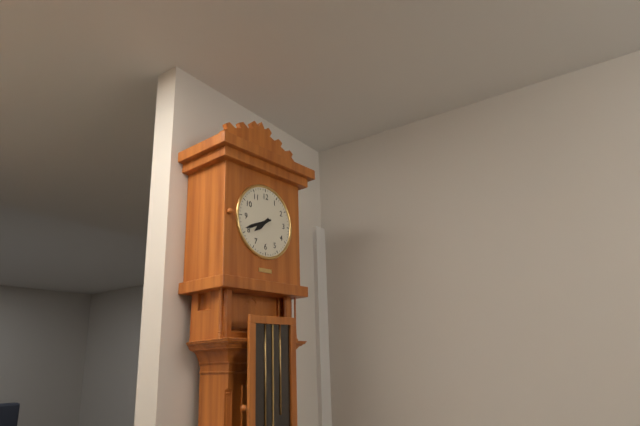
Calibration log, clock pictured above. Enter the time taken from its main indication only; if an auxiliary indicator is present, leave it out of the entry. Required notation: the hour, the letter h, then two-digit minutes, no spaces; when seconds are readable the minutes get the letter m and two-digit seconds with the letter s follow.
7h41
